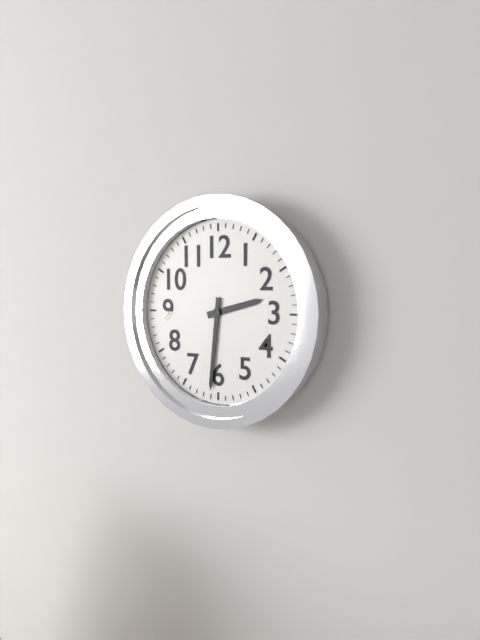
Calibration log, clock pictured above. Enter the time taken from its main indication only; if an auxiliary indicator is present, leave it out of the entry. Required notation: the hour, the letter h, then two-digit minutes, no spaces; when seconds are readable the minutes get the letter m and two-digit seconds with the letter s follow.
2h31
